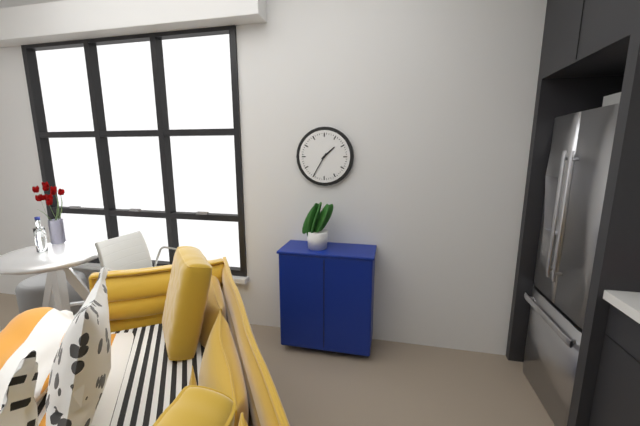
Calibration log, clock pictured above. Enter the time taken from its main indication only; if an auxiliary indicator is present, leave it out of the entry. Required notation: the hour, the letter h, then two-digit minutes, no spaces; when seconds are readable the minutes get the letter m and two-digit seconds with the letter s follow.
1h35
